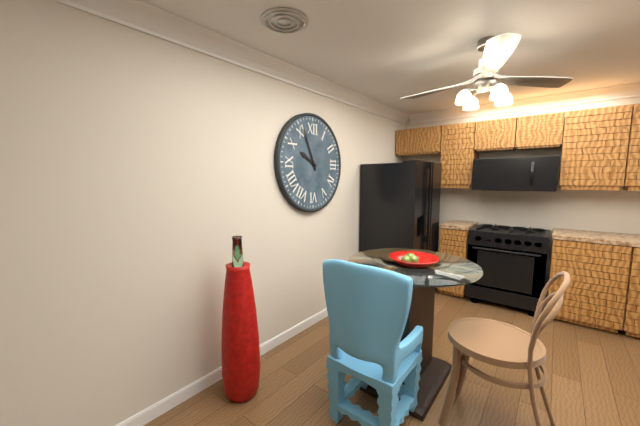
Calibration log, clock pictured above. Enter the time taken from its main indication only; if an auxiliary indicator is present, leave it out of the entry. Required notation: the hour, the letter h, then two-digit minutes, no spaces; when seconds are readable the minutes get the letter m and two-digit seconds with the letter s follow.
9h56
